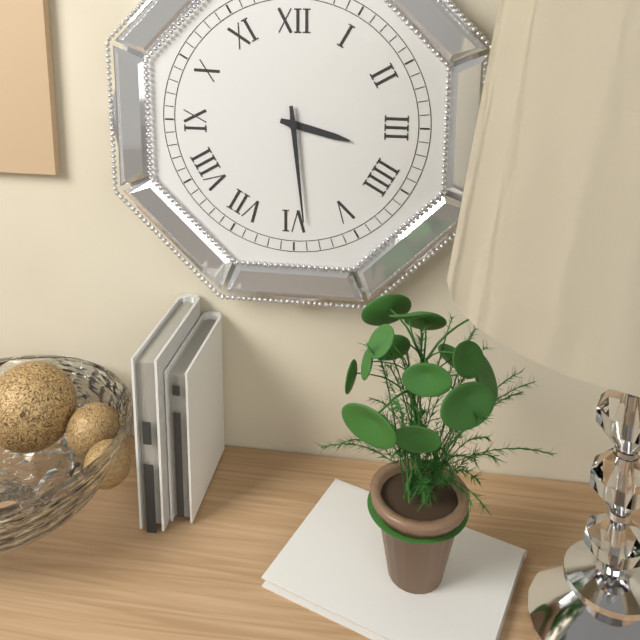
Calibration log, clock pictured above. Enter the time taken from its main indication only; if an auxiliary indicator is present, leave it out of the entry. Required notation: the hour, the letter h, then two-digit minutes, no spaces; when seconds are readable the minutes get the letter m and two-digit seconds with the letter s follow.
3h29
